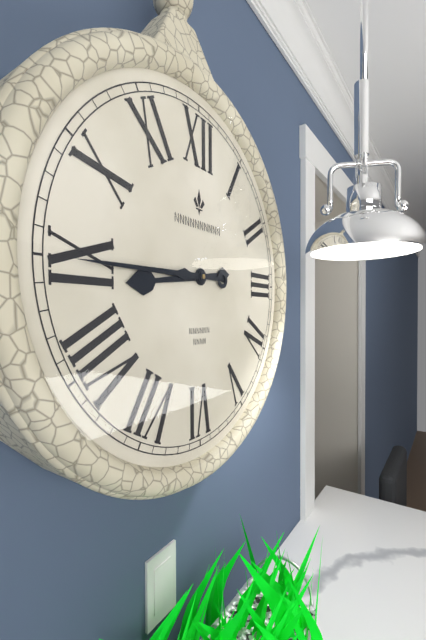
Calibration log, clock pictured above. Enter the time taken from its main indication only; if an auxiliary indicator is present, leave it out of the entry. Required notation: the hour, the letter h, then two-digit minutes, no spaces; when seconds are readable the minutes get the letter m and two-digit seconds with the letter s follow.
8h45
